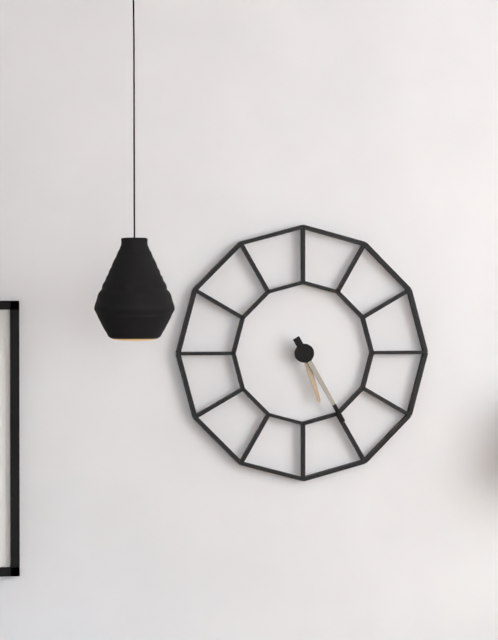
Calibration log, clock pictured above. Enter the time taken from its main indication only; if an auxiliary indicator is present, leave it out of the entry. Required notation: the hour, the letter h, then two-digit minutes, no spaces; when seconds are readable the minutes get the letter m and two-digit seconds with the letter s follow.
5h25
